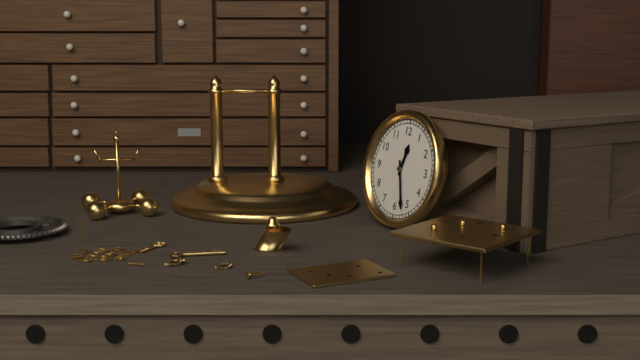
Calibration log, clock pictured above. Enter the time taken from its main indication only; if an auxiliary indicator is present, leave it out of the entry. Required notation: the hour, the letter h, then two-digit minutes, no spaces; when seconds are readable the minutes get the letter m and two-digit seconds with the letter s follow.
12h27
